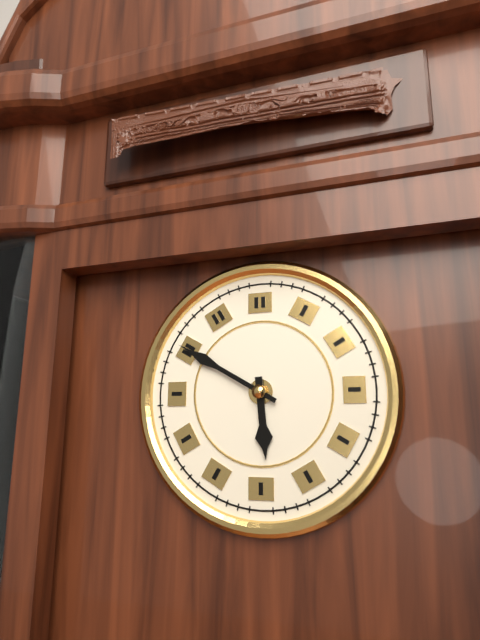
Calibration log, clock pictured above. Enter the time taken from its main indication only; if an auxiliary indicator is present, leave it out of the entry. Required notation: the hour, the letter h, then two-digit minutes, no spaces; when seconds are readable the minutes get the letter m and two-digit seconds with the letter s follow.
5h50
